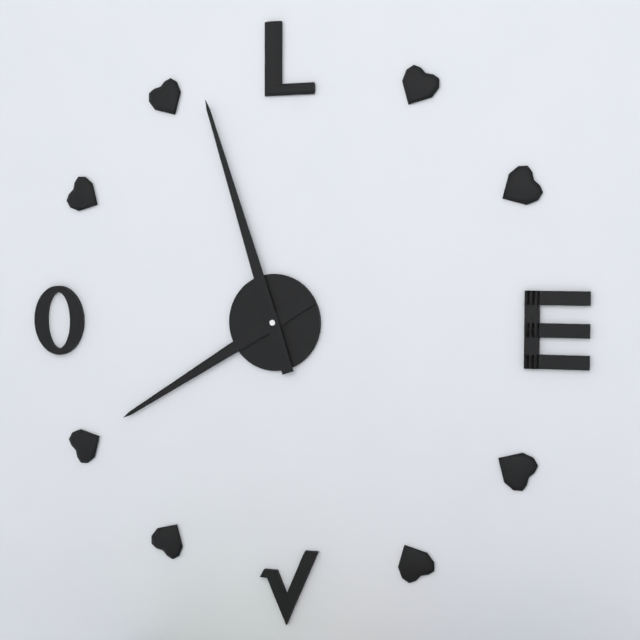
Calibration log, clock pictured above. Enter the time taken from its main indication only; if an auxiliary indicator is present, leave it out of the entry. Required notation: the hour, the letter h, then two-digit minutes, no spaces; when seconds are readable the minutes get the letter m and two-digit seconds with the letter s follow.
7h57
